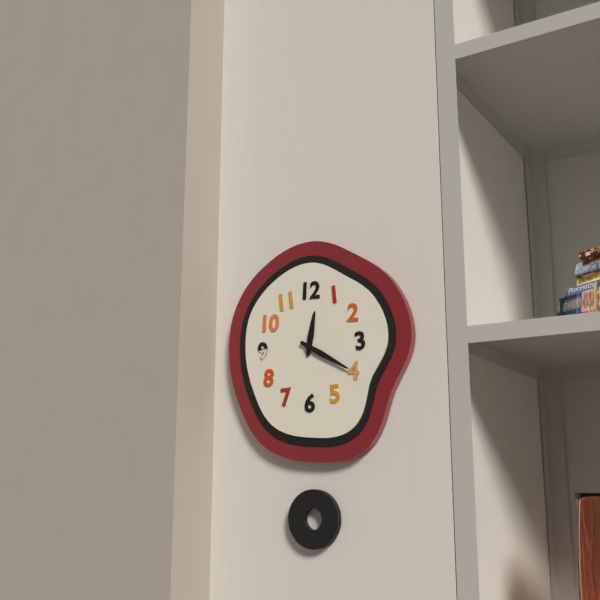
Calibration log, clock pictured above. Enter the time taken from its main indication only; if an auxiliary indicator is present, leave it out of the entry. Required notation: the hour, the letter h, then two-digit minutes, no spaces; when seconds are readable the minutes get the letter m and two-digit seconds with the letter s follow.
12h20
